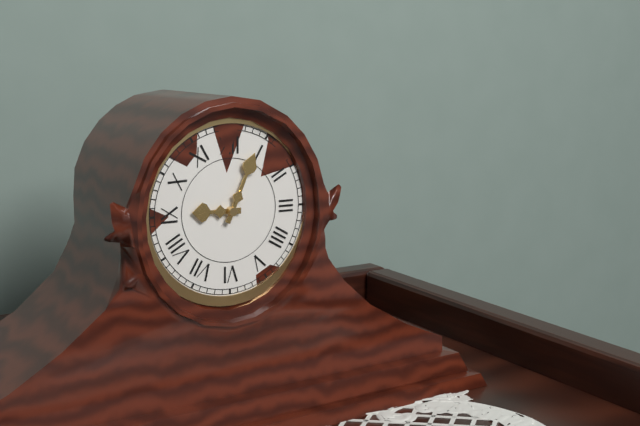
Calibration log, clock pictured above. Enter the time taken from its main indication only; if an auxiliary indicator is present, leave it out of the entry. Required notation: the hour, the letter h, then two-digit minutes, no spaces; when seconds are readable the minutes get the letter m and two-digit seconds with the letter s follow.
9h04
